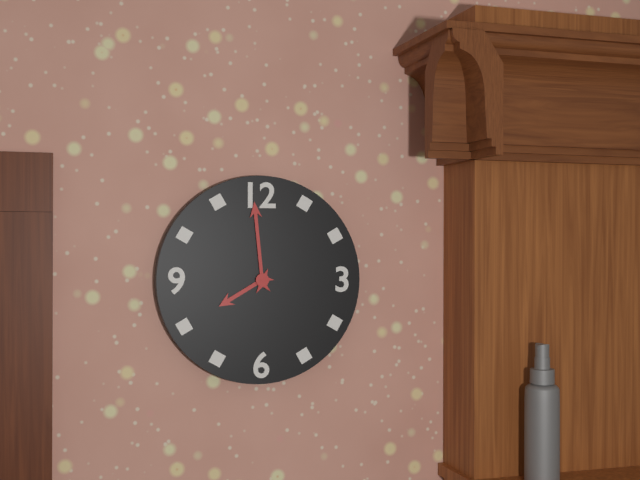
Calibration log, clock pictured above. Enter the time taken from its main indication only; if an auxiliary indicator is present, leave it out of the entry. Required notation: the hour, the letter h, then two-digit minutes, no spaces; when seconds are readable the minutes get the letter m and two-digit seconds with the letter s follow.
7h59
